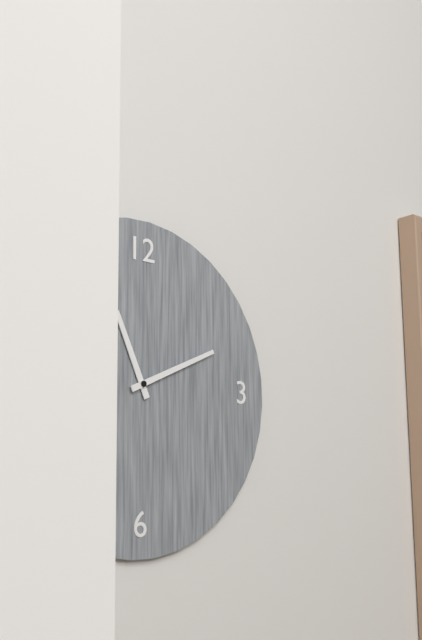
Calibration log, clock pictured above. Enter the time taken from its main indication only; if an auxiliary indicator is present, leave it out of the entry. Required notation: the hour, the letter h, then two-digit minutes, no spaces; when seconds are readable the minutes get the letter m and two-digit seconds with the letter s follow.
11h11
